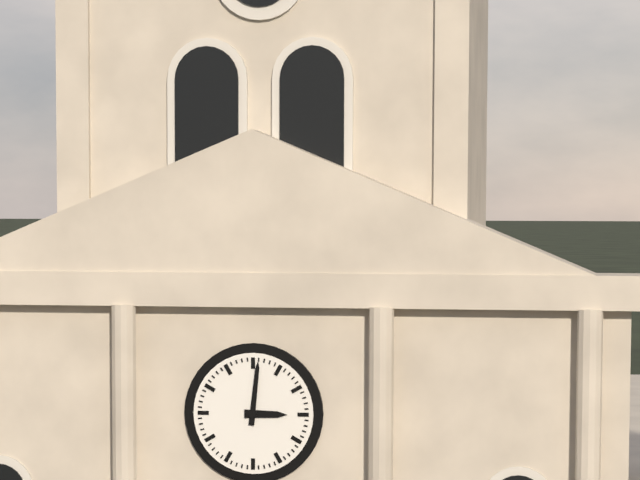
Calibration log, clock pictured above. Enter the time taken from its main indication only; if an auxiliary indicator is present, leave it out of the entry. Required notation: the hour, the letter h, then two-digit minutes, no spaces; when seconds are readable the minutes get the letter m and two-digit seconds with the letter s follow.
3h01
